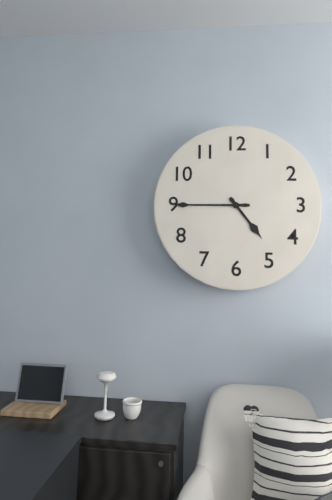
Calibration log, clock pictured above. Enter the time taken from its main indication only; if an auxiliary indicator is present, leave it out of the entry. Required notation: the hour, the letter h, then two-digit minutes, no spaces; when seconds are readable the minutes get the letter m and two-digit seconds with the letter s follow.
4h45
